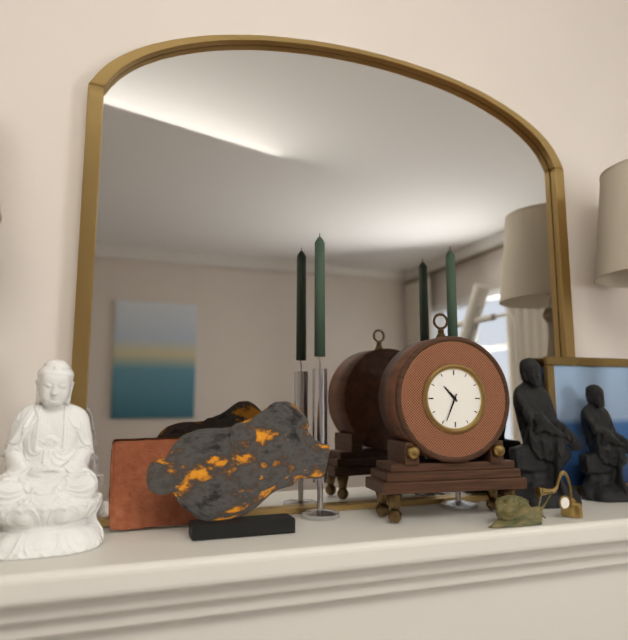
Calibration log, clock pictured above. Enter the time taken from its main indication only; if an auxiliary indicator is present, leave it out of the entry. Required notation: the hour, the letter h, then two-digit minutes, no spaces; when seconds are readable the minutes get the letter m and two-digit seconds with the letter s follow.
10h34
